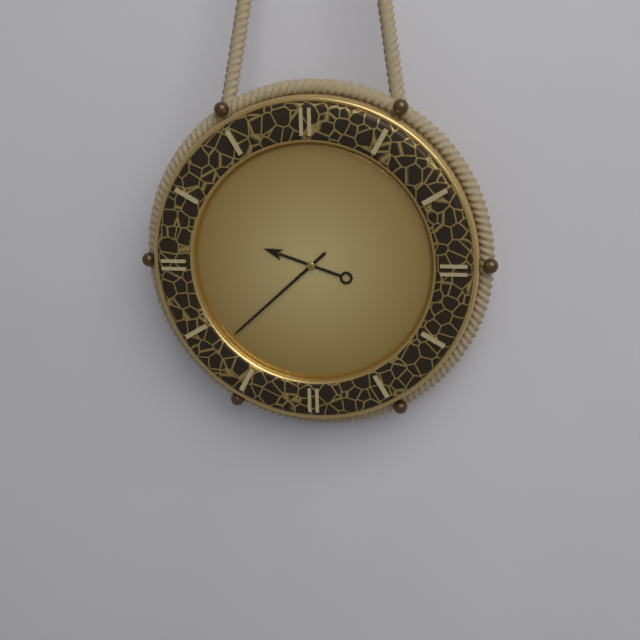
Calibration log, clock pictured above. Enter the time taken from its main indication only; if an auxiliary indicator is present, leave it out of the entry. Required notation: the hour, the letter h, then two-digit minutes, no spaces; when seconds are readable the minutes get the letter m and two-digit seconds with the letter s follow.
9h38
